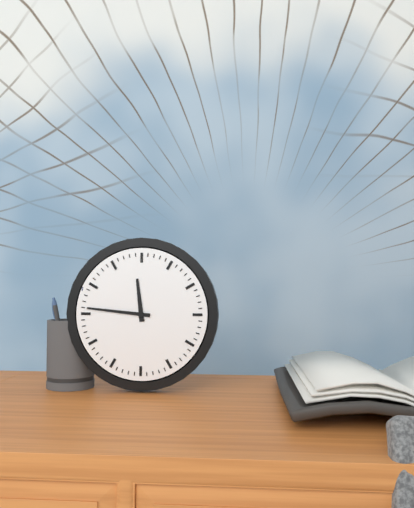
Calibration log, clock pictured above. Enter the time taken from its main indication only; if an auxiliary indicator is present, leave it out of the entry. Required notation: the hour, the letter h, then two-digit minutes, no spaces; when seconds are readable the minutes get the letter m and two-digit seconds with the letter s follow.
11h46
